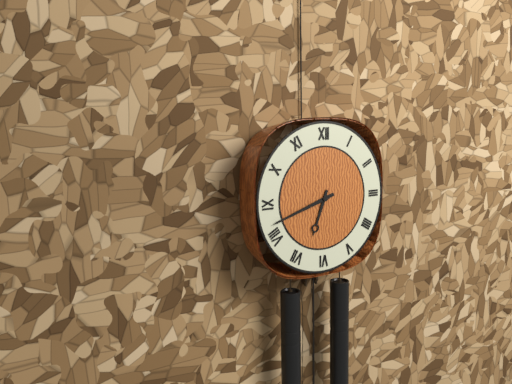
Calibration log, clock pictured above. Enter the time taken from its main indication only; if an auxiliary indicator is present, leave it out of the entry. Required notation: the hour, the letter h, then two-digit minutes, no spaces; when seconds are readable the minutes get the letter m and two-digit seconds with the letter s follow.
6h42
